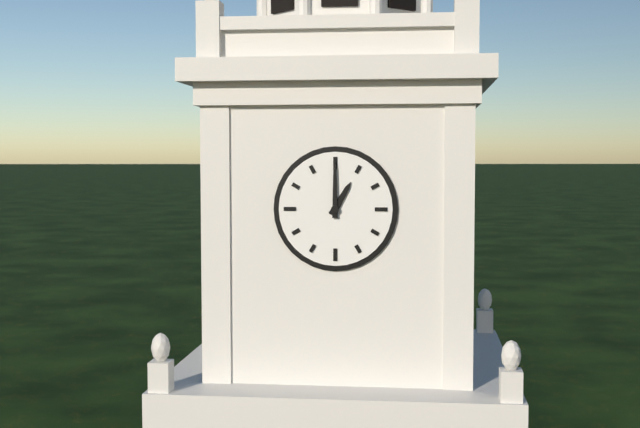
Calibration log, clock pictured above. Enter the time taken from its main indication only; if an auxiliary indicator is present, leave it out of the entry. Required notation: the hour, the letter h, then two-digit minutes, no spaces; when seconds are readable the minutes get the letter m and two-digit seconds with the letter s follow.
1h00
